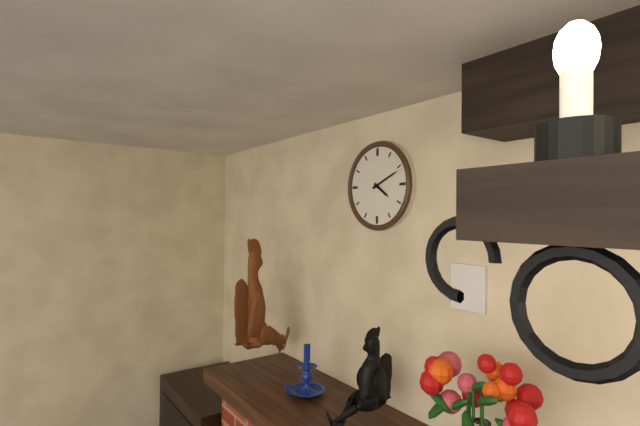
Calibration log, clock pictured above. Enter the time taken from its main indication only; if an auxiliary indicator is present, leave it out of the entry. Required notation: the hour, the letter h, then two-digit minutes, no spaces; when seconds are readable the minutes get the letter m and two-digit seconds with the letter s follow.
4h11
